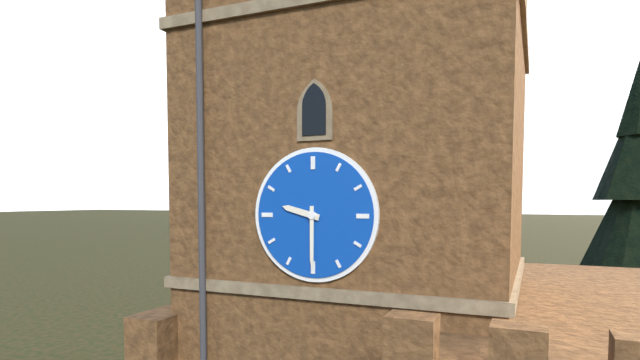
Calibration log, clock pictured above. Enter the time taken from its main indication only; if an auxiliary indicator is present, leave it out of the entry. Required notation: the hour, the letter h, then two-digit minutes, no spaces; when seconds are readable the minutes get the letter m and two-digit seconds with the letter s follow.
9h30
